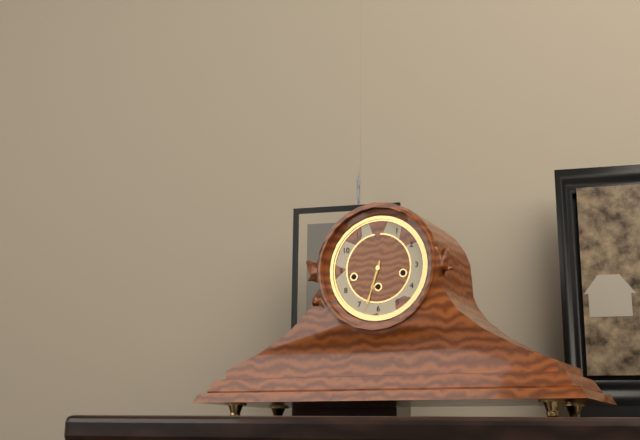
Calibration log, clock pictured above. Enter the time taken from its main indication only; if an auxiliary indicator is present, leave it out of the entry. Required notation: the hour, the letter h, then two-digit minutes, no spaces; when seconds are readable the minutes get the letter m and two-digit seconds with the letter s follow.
6h33
